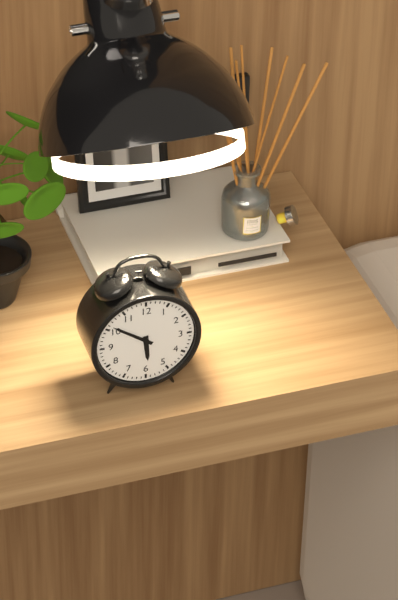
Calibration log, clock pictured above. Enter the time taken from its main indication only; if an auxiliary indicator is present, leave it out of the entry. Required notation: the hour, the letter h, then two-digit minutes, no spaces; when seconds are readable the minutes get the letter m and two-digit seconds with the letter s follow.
5h51
